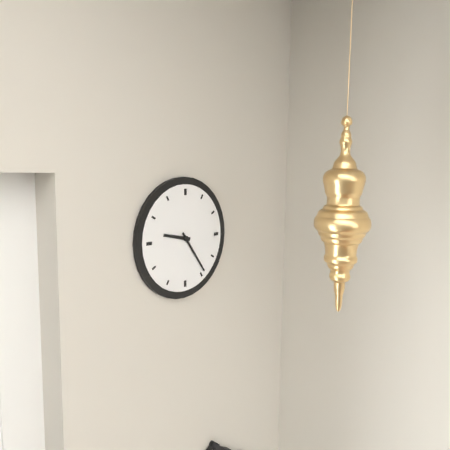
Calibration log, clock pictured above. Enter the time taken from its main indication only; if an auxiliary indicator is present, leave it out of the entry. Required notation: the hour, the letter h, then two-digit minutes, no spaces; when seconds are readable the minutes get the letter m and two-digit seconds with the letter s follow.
9h24
